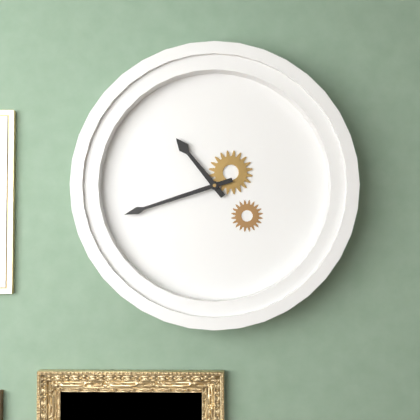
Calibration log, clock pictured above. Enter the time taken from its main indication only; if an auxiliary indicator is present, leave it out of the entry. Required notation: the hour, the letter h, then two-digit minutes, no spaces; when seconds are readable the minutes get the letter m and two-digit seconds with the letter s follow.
10h42
